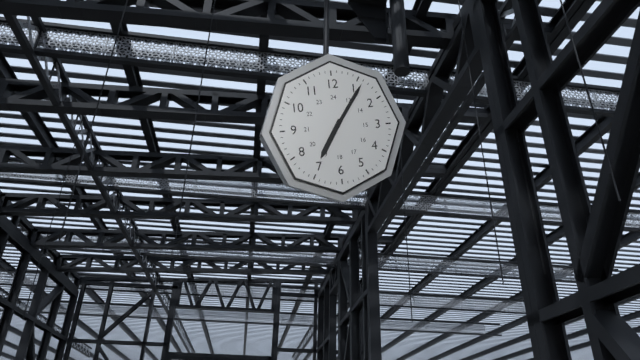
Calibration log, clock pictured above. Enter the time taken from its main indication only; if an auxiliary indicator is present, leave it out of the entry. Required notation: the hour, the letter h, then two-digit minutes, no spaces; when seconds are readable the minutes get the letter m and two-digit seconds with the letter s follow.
7h06
